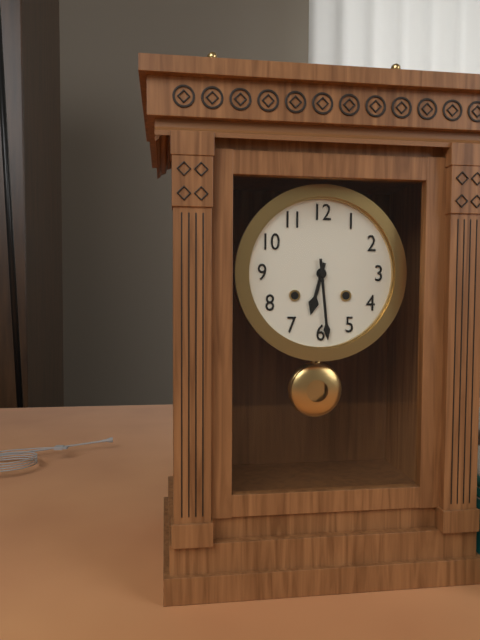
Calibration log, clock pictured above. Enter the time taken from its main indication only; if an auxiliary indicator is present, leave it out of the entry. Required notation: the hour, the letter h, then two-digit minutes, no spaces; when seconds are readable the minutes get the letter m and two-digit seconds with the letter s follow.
6h29
